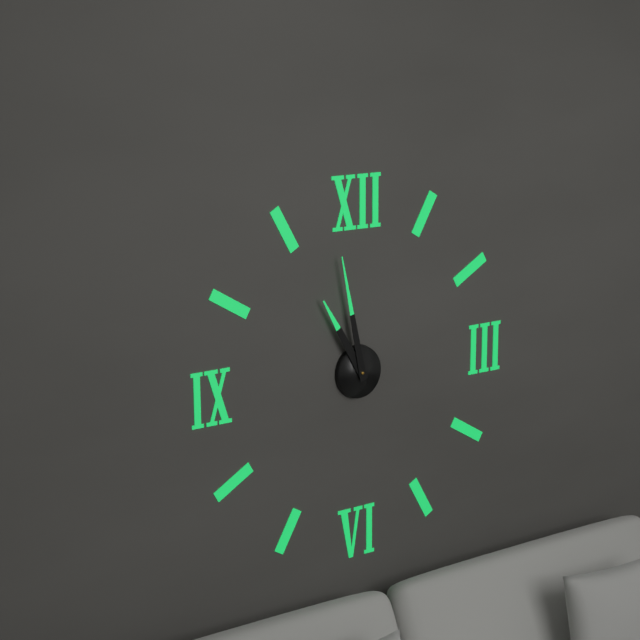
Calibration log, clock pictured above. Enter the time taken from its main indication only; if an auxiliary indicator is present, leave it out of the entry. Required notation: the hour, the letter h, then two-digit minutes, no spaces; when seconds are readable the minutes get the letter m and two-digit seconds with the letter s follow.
10h58
